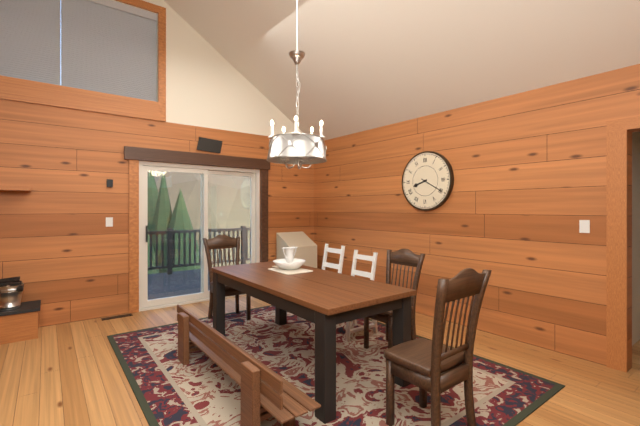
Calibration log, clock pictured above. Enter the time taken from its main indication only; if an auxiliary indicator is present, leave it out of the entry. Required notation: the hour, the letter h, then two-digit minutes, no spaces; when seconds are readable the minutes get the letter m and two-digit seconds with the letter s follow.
8h20
